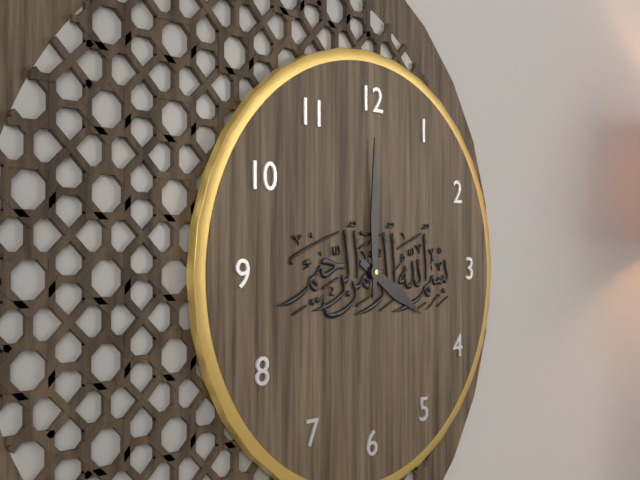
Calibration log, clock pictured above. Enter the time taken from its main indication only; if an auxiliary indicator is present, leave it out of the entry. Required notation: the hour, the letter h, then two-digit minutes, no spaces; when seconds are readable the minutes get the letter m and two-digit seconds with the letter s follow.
4h00
